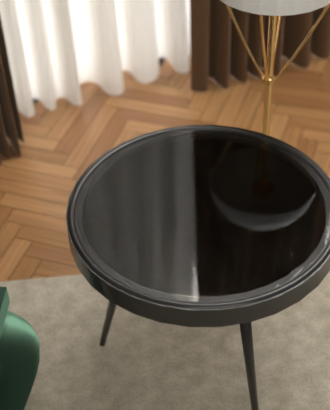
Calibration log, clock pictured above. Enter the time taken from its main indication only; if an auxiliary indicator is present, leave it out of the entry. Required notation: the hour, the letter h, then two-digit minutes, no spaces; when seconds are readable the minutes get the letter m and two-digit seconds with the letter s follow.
2h36
